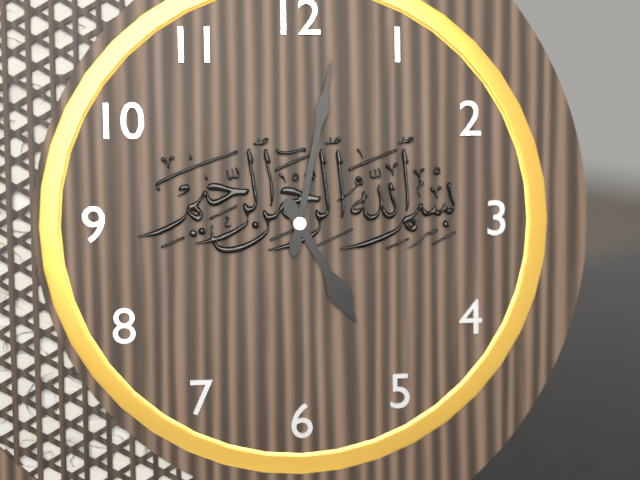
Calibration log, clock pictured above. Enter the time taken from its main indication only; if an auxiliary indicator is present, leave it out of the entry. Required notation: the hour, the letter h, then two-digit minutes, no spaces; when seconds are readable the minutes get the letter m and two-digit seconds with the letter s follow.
5h02
